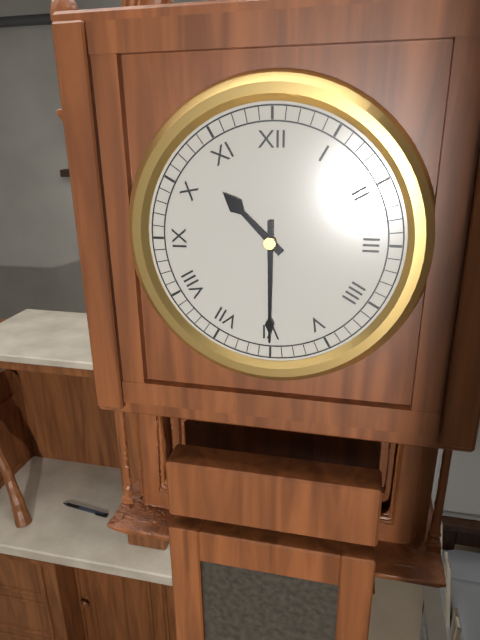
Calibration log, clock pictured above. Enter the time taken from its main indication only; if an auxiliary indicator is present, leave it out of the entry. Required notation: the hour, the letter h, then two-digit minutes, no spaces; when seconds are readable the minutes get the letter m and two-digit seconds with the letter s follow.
10h30
